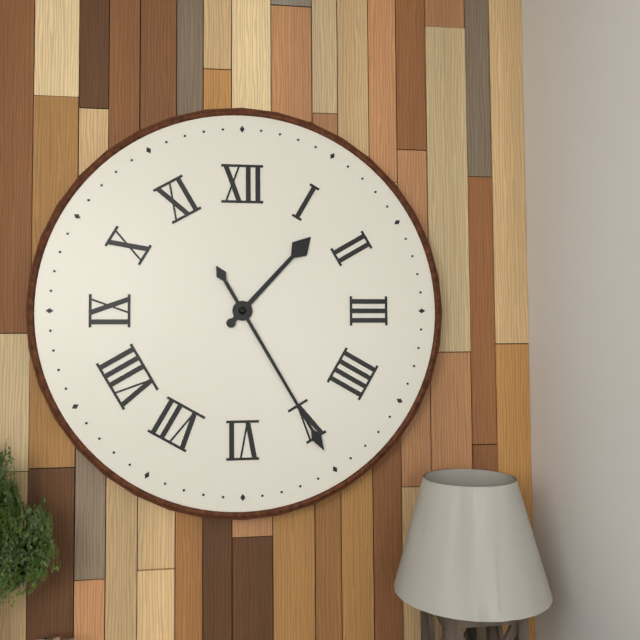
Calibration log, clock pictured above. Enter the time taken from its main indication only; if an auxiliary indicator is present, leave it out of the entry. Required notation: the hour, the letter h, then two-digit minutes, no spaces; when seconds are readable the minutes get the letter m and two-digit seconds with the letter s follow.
1h25
